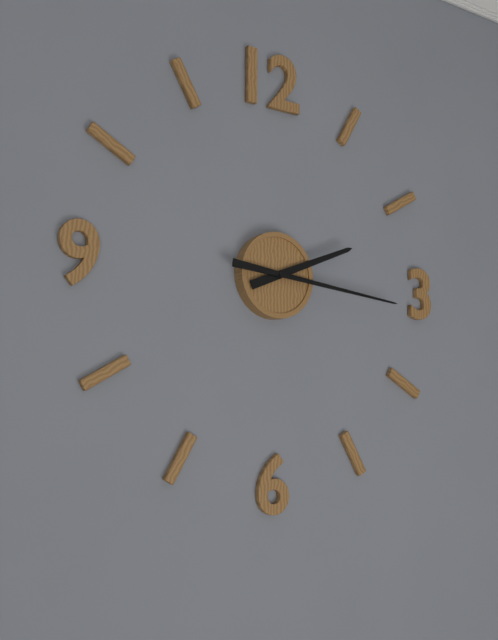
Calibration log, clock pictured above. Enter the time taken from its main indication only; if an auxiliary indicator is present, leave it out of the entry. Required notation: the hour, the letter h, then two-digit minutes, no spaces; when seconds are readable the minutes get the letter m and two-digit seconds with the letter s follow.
2h16
